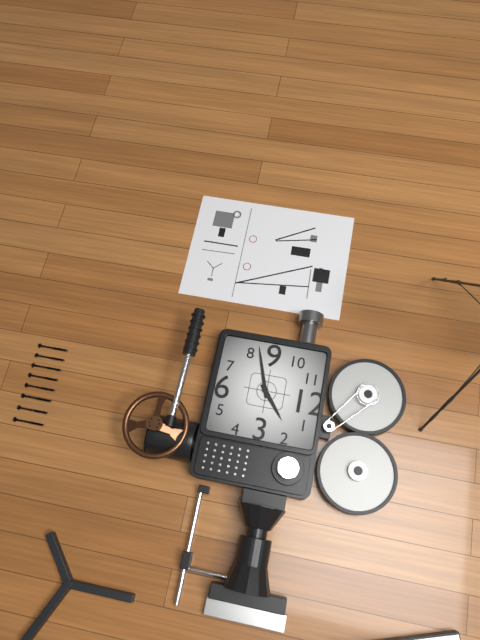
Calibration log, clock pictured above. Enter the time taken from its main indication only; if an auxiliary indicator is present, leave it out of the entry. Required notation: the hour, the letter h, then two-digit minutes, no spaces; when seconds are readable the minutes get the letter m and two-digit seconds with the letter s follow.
1h42
